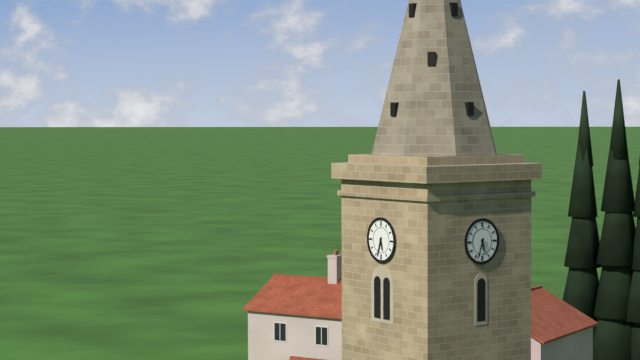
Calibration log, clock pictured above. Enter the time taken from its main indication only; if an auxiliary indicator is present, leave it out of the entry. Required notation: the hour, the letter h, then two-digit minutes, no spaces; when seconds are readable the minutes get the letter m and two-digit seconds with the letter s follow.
5h33
